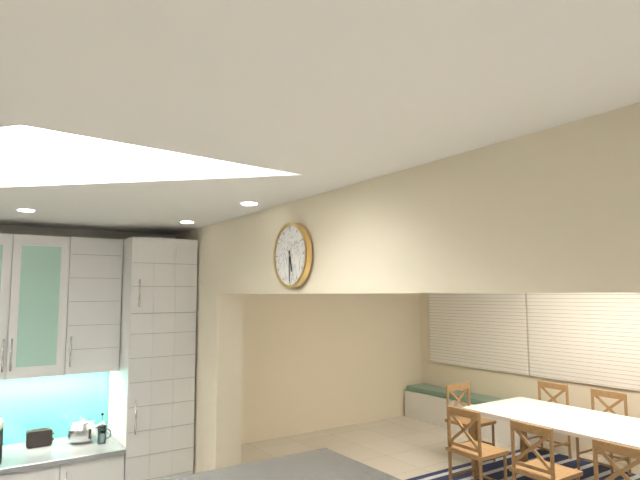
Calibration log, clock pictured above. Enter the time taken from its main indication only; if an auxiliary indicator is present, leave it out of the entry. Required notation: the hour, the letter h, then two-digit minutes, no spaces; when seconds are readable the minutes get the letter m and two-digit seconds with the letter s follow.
5h30
